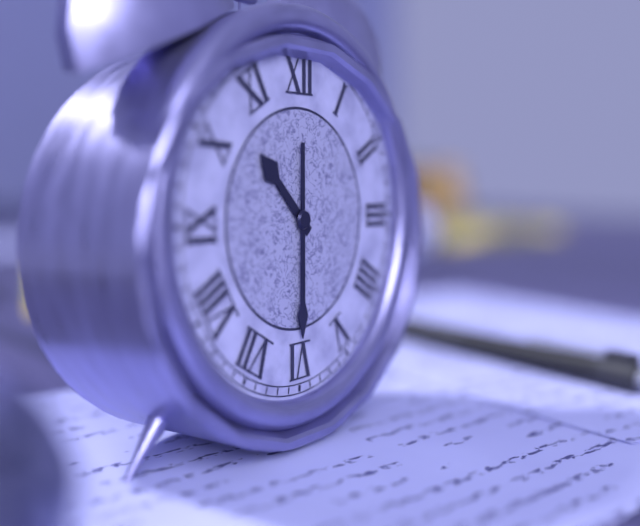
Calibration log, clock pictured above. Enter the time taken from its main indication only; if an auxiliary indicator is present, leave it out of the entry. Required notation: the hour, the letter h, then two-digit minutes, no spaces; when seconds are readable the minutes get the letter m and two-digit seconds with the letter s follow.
10h30
